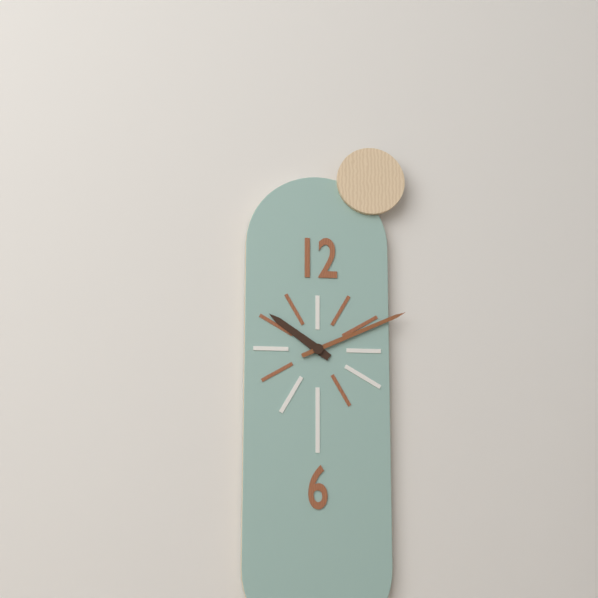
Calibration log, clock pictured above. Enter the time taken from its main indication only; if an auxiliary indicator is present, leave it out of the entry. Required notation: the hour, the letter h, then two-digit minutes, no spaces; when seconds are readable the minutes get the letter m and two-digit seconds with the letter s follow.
10h11
